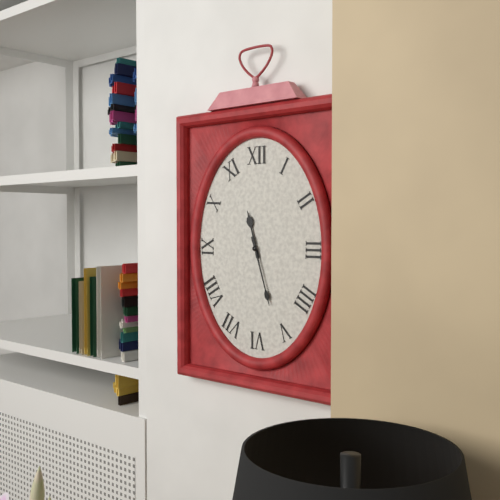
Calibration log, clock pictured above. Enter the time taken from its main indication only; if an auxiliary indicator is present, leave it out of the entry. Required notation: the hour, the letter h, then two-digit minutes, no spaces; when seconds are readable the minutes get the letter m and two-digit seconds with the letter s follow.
11h27
